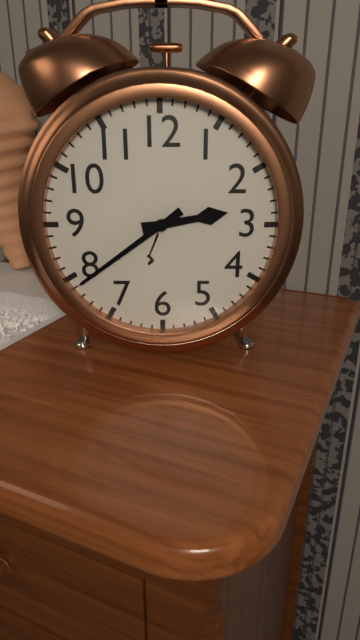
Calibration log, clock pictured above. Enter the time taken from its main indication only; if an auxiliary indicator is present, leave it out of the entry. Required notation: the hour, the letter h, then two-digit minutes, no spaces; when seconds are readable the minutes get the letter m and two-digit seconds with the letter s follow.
2h39
